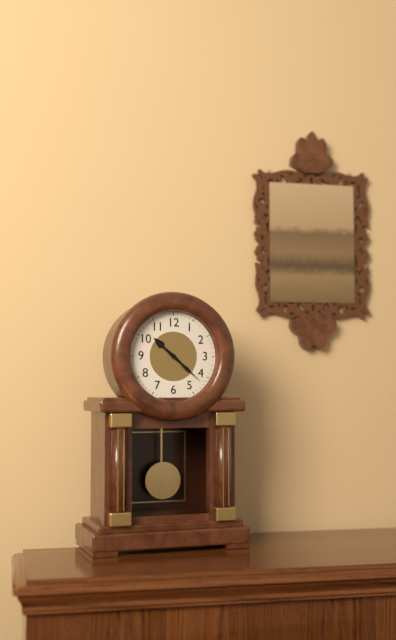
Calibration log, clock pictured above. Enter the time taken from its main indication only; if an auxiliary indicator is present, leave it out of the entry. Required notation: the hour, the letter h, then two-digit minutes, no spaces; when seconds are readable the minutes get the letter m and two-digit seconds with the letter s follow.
10h22
